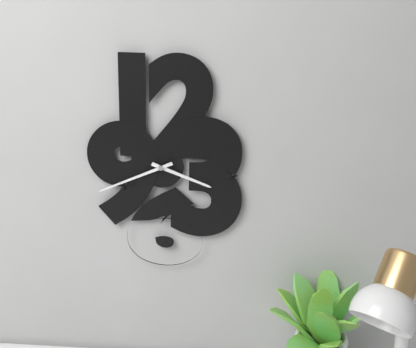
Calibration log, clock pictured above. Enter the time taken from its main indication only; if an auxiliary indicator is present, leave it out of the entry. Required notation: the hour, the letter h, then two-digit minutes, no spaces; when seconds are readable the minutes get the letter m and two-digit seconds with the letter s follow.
3h41
